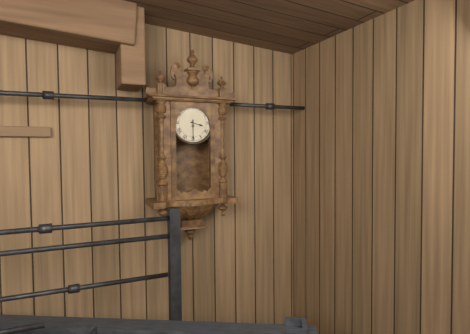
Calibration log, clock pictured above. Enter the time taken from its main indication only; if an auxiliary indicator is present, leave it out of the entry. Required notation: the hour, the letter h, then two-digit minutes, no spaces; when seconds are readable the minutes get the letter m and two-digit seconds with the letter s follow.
3h30
